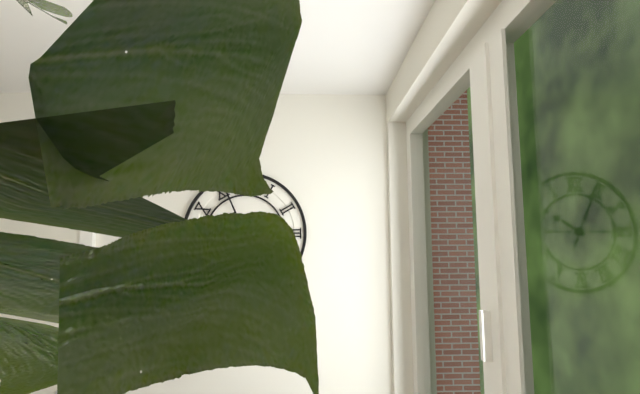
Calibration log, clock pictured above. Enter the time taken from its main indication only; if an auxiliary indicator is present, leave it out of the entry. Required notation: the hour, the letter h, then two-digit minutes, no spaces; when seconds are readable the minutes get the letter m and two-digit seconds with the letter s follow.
1h56
